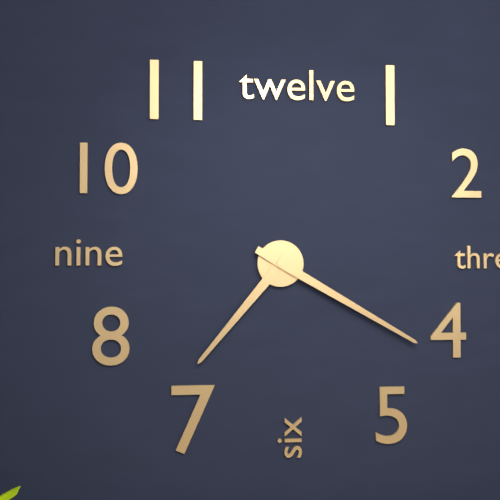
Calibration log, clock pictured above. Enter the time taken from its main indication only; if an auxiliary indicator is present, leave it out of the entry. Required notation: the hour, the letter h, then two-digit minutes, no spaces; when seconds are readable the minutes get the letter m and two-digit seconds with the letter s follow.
7h20
